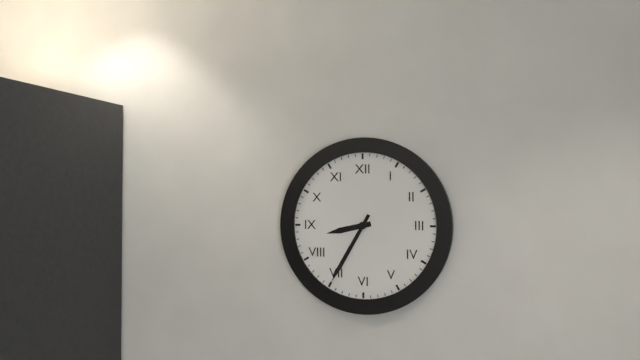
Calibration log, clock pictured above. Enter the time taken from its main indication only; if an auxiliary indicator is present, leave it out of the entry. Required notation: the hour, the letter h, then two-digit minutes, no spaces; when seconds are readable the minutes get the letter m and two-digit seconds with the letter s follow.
8h35
